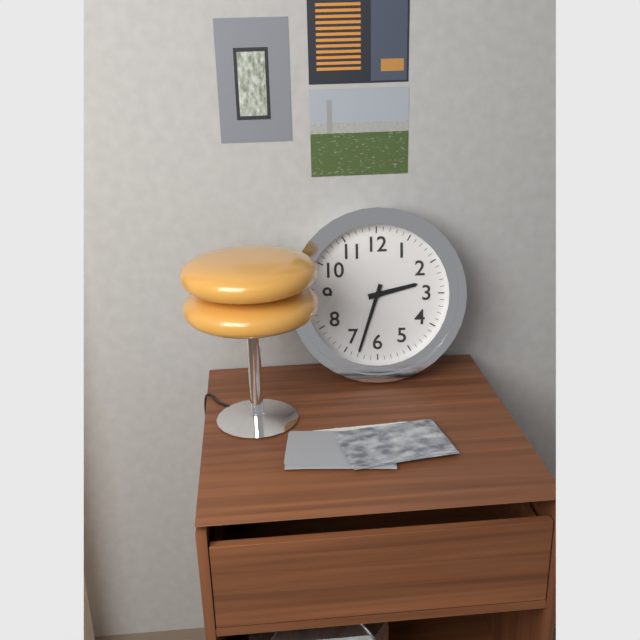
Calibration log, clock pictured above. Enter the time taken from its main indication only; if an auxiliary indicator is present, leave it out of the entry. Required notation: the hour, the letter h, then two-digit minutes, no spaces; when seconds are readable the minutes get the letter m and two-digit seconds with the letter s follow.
2h33
